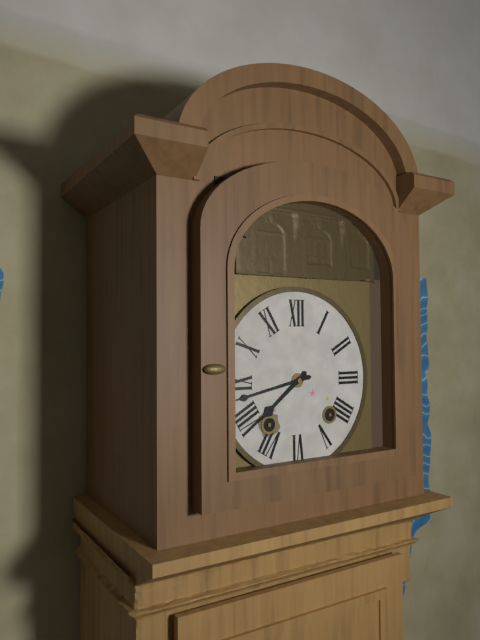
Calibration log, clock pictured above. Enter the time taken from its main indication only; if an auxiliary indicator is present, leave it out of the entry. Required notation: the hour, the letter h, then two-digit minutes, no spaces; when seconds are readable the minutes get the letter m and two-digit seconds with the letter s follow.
7h43
